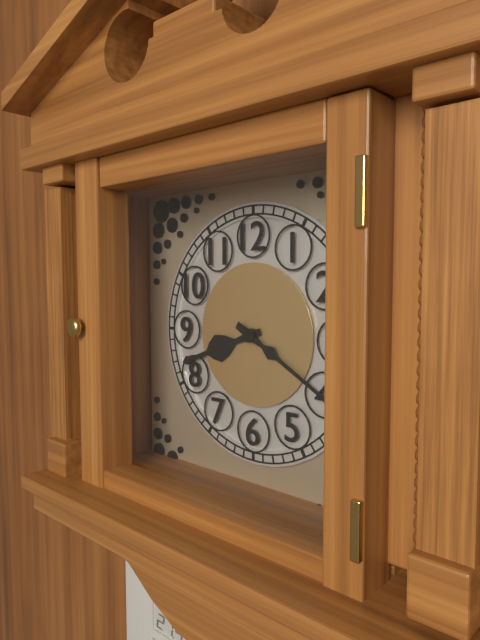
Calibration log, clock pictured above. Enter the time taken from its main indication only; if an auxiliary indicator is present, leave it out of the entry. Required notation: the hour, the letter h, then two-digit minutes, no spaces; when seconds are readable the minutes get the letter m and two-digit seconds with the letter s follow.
8h20
